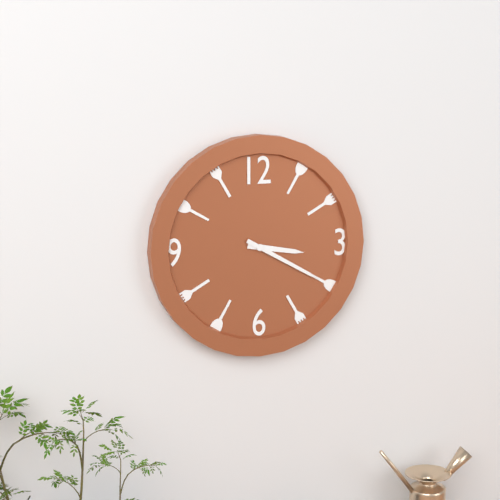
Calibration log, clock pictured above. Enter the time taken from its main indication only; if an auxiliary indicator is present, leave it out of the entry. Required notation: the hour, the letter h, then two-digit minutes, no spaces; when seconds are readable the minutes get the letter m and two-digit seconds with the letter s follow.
3h20
